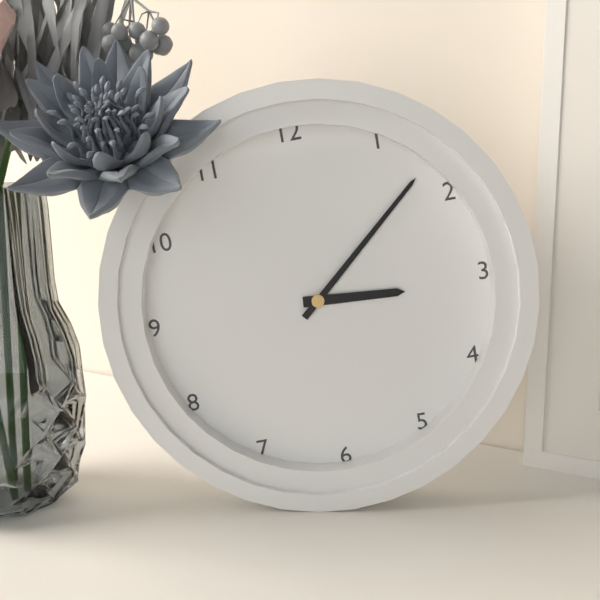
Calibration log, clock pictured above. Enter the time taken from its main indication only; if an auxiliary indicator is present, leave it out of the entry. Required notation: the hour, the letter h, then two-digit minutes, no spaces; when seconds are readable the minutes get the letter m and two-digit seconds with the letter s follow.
3h08
